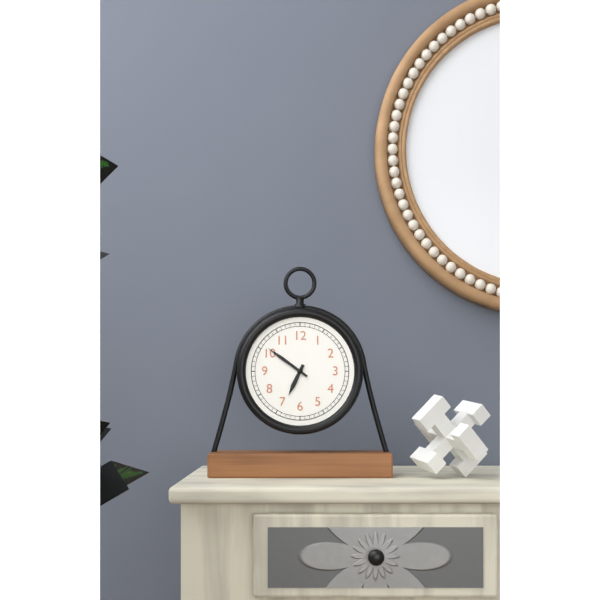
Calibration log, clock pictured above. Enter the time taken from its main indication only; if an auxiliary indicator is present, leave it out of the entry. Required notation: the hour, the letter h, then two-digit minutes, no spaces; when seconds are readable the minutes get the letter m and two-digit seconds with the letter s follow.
6h51
